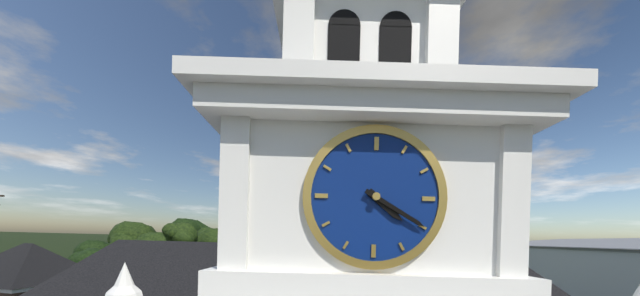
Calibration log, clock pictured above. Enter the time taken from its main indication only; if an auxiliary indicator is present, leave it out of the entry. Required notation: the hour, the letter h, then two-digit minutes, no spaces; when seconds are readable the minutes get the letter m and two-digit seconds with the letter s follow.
4h20
